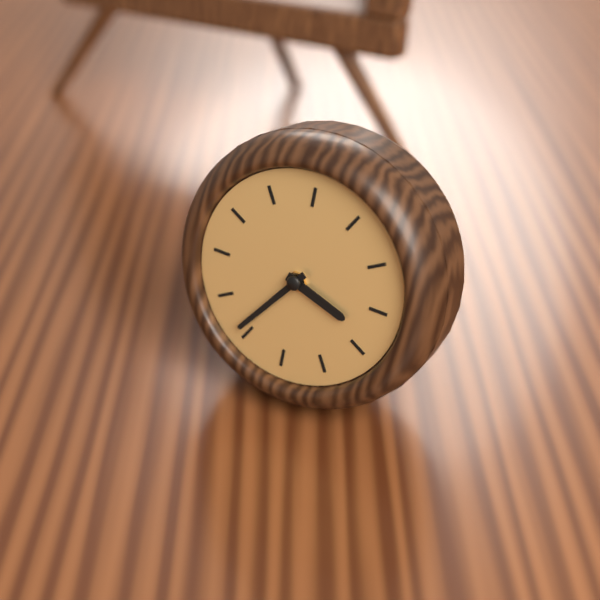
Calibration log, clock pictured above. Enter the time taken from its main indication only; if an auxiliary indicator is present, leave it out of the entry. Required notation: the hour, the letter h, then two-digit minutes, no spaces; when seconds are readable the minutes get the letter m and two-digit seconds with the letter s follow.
3h36
